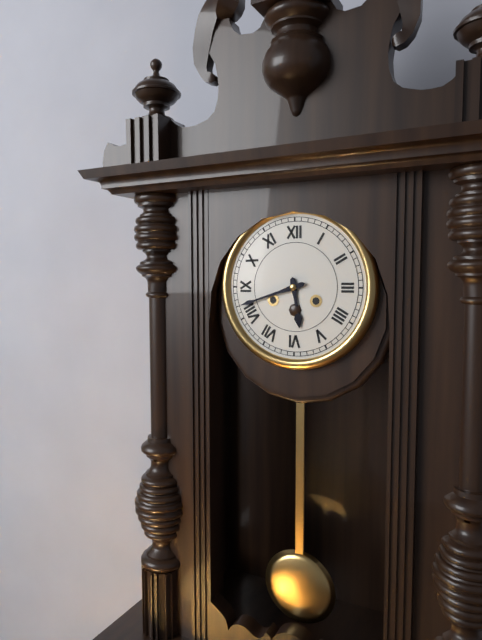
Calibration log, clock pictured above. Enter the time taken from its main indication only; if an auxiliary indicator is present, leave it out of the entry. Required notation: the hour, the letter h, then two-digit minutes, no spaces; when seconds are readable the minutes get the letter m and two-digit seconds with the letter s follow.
5h42
